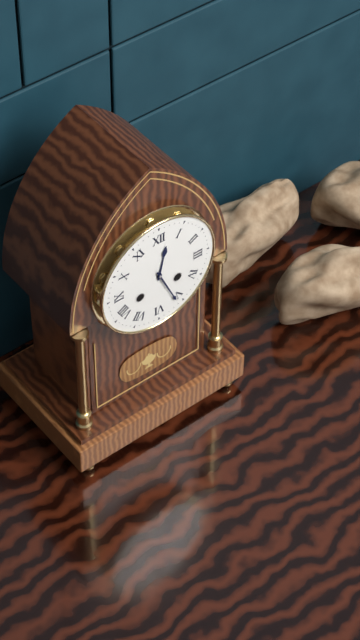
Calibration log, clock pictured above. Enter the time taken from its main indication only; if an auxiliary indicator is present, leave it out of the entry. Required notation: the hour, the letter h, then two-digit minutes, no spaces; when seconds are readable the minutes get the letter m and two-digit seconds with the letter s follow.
12h26
